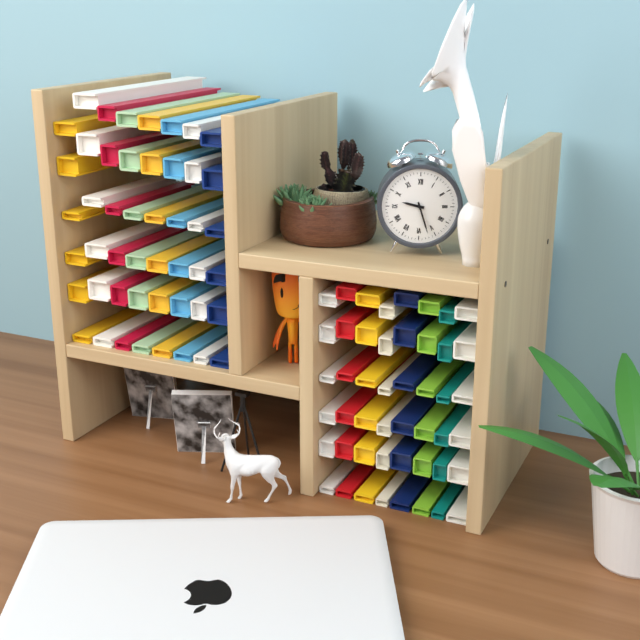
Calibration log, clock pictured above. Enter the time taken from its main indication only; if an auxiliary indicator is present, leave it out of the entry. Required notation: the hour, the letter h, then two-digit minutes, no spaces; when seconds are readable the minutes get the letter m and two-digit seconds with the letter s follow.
9h27
